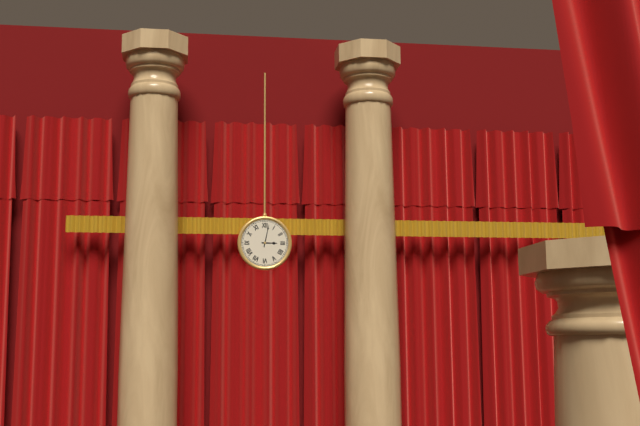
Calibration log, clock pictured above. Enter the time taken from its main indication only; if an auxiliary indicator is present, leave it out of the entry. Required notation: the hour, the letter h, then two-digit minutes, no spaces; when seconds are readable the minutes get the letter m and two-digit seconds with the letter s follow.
3h02
